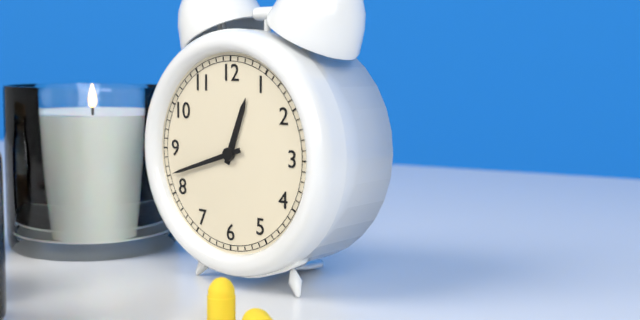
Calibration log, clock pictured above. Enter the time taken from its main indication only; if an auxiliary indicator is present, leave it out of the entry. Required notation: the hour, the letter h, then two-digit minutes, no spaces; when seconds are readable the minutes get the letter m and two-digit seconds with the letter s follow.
12h42
